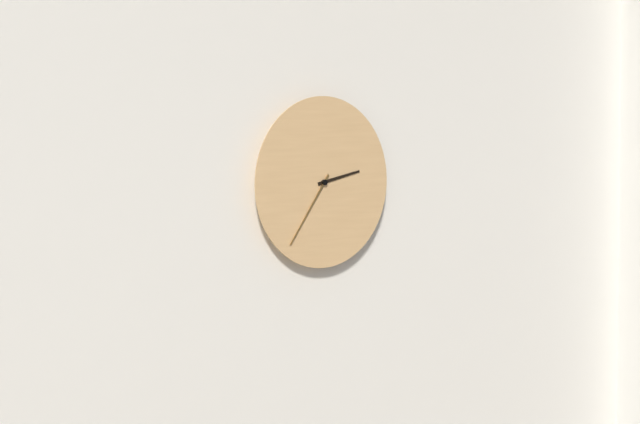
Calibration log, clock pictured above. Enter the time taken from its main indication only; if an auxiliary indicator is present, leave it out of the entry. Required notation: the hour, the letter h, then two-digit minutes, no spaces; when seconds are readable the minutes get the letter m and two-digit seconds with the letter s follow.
2h36
